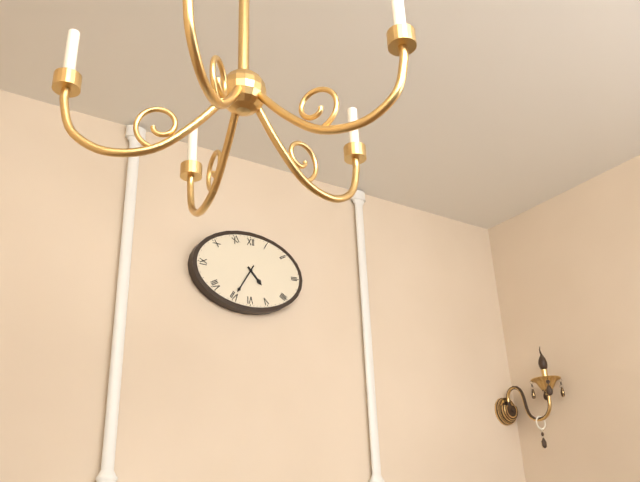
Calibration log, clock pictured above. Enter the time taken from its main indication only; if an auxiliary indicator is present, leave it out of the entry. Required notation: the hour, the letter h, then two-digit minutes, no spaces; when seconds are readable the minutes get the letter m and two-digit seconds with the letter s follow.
4h35
